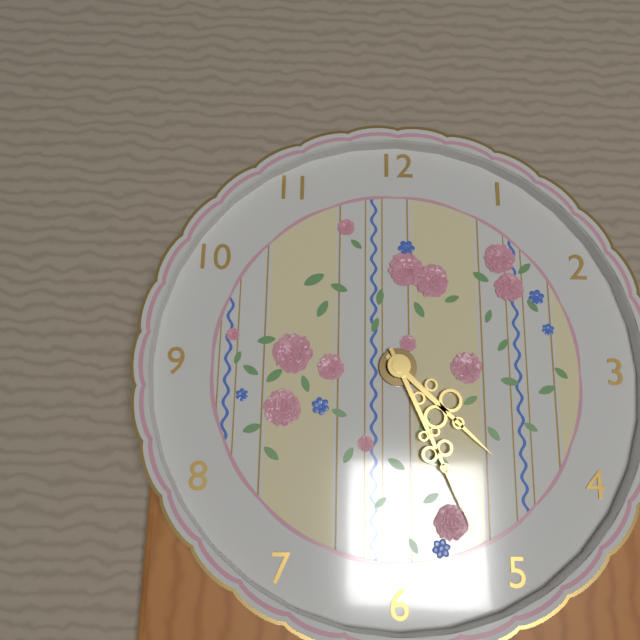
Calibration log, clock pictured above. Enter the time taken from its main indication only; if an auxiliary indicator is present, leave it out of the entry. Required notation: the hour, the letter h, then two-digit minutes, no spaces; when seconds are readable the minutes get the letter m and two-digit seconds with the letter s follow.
4h26
